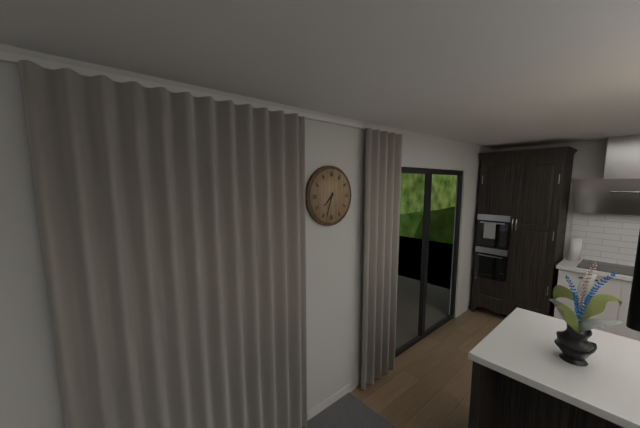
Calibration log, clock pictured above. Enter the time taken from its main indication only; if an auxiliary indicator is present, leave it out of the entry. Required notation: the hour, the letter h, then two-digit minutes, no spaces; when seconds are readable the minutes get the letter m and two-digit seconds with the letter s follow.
7h33
